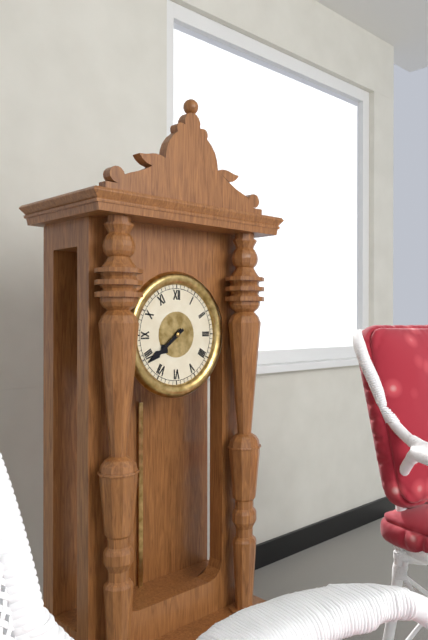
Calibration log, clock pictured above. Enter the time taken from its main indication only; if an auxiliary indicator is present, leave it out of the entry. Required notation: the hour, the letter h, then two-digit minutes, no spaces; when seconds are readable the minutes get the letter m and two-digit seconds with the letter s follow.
7h39
